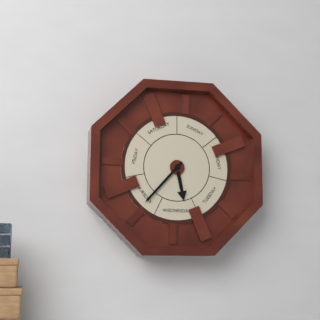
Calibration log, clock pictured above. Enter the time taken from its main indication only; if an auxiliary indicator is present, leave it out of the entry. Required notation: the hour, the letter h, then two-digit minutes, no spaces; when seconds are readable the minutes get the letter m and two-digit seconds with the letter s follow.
5h37
